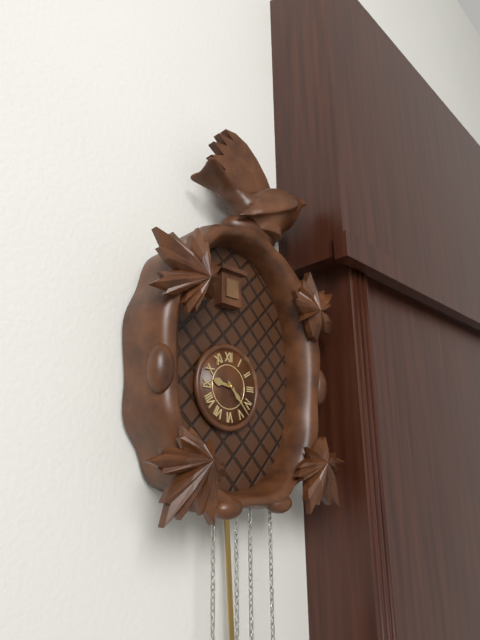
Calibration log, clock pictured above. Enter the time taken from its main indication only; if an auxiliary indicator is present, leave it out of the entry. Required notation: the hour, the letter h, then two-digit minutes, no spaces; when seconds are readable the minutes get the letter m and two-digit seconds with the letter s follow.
9h23
